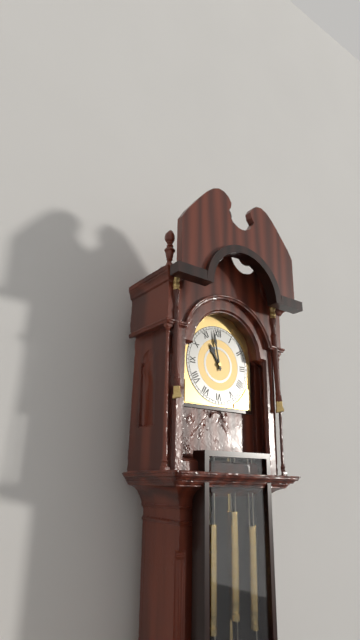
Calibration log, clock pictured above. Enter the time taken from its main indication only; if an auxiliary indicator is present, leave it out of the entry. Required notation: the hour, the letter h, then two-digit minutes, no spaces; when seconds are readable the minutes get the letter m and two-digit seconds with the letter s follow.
10h58
